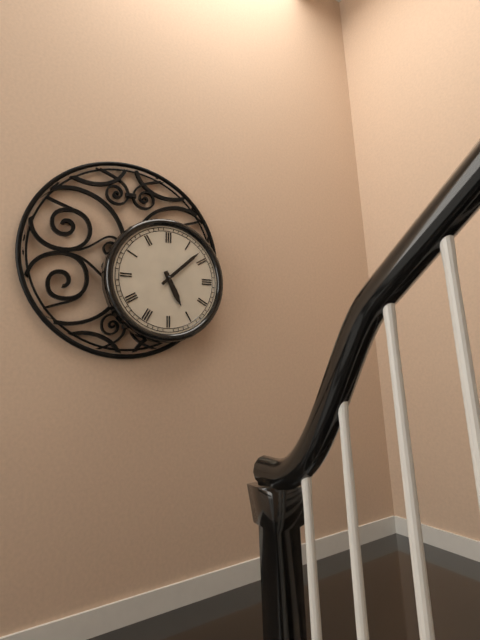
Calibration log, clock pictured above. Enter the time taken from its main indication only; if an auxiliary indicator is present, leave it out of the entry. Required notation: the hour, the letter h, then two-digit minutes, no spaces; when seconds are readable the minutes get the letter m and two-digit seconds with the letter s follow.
5h08
